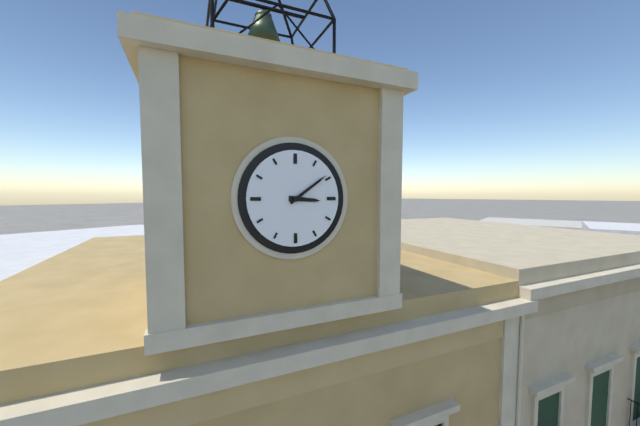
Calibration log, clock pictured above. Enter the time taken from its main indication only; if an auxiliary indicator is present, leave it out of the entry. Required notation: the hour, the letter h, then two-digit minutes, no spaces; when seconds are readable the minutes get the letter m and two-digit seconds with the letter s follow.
3h09
